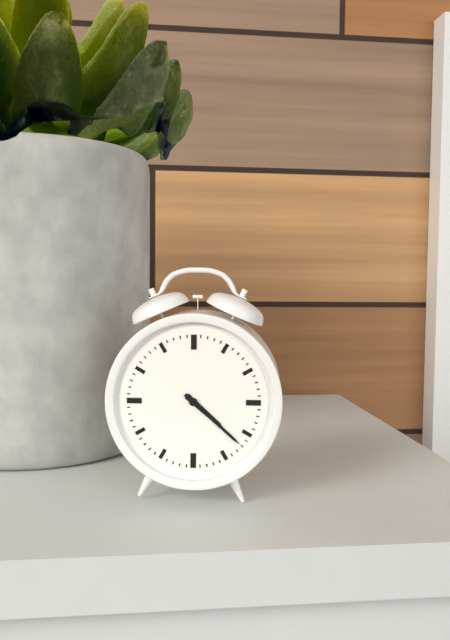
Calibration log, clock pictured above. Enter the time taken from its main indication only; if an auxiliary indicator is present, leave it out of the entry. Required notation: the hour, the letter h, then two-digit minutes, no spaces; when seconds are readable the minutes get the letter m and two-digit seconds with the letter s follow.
4h22
